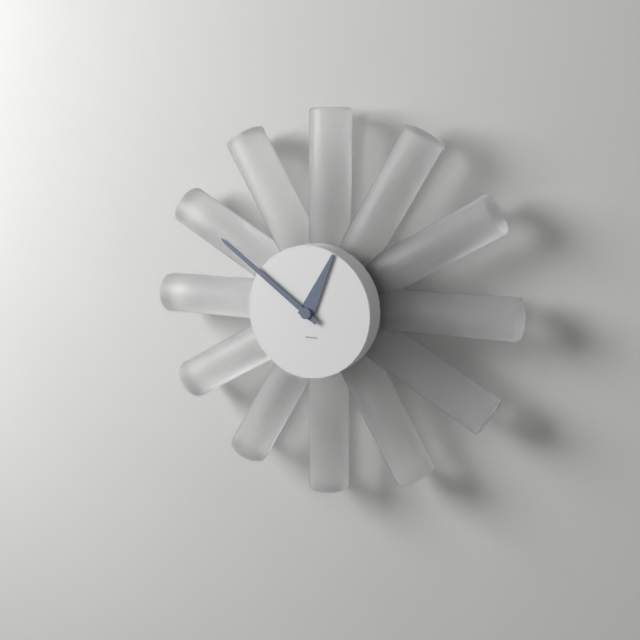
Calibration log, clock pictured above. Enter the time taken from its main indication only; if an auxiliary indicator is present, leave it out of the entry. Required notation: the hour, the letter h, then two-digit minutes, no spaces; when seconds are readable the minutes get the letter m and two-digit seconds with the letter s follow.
12h51
